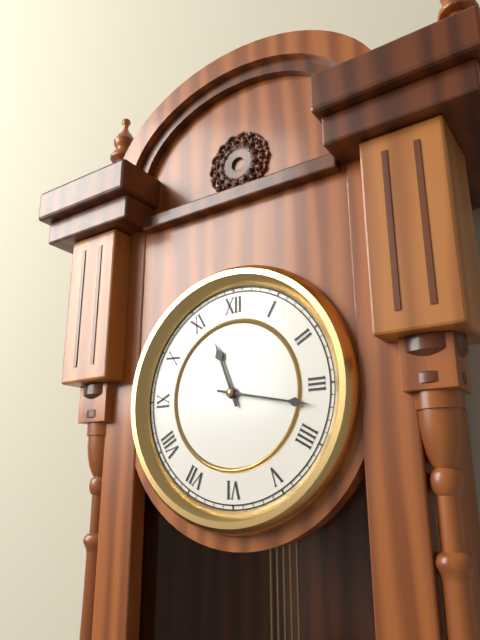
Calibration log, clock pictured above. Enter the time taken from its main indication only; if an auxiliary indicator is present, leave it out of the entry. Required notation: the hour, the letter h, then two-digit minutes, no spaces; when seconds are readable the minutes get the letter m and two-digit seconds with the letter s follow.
11h17
